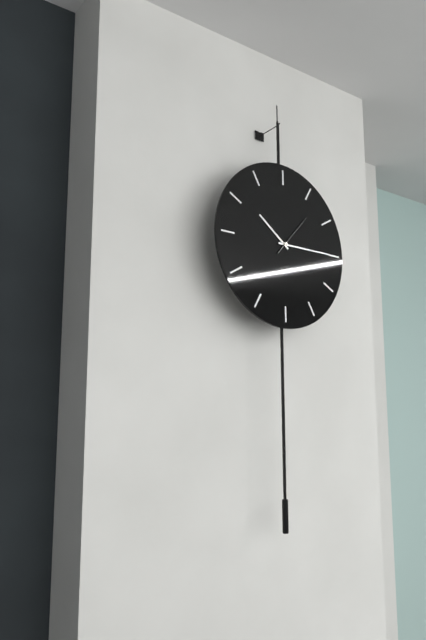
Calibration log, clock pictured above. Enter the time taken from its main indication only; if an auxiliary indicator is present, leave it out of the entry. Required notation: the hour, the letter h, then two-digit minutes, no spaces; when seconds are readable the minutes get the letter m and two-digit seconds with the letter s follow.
10h15
